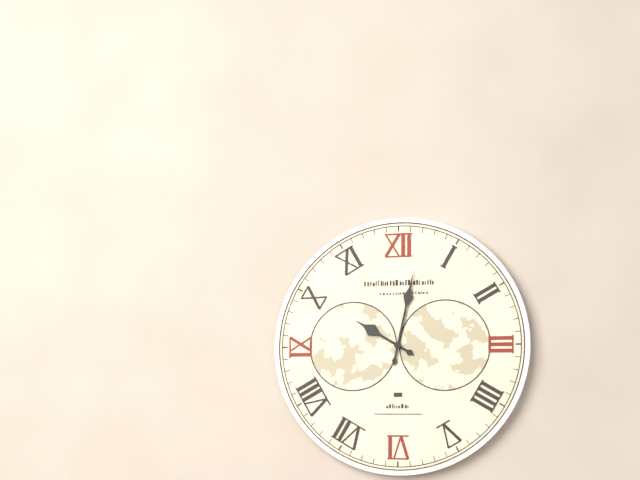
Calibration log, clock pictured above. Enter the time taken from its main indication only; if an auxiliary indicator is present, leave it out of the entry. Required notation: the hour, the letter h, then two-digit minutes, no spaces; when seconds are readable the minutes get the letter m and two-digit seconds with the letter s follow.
10h02
